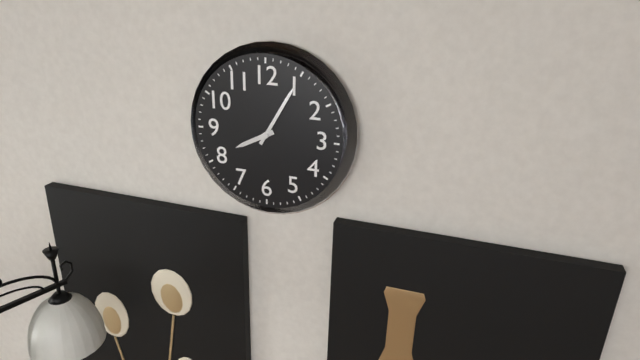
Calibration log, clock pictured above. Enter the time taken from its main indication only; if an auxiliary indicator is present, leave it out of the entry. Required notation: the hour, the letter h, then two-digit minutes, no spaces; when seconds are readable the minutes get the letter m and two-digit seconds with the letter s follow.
8h05
